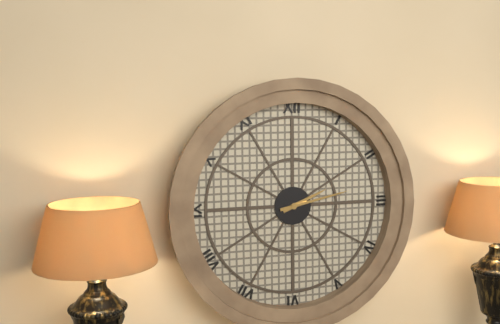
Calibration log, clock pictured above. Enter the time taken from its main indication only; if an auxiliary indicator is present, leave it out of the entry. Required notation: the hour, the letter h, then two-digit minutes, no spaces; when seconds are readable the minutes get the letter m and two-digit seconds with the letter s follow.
2h13
